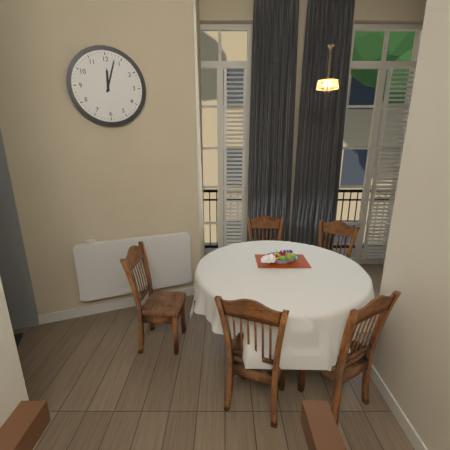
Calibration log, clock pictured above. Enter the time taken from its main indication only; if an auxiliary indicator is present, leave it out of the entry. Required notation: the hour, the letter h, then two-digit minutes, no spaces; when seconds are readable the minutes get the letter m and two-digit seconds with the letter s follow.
12h03
